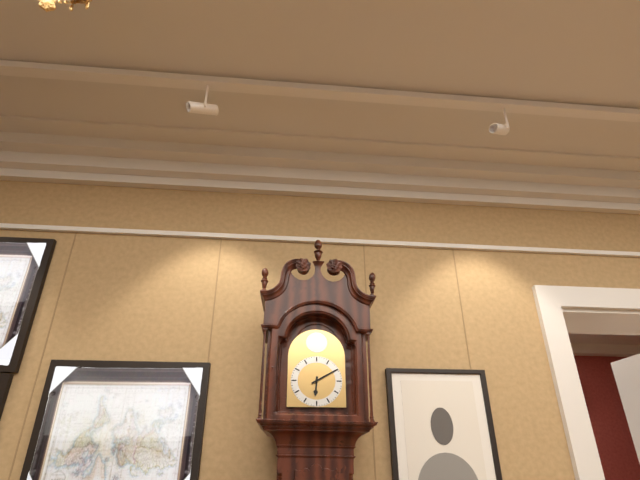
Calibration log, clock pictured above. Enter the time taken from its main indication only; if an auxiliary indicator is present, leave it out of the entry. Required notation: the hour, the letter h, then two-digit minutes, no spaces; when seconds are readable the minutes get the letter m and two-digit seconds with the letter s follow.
6h10
